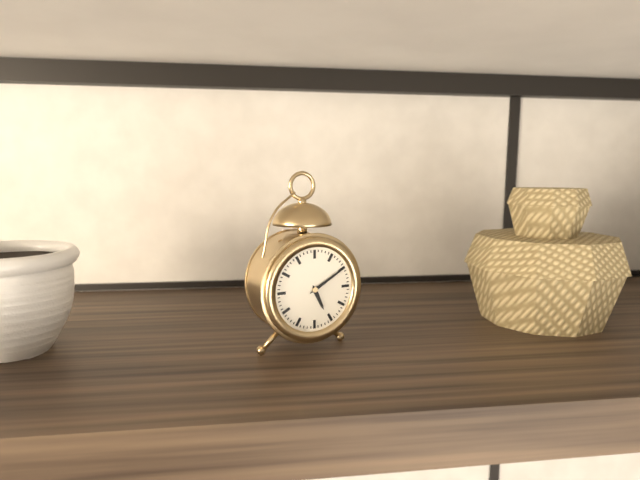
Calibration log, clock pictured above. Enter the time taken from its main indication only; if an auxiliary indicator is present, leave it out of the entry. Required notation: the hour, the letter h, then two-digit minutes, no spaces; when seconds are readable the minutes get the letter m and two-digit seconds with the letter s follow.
5h10
